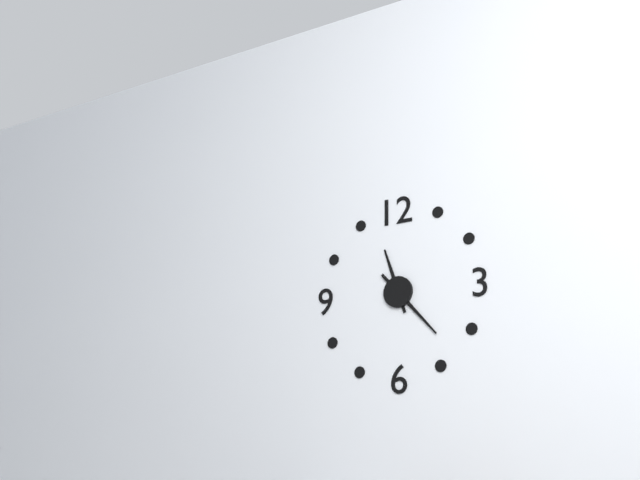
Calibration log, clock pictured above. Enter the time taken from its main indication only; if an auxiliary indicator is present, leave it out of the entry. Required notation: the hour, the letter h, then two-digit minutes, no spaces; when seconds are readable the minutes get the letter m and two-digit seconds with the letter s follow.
11h23
